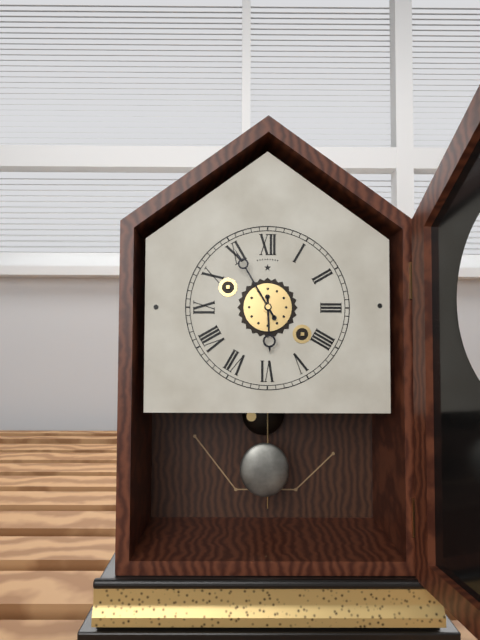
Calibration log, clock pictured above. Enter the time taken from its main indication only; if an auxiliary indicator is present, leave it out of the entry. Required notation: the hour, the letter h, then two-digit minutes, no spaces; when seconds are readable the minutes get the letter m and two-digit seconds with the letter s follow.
5h55
